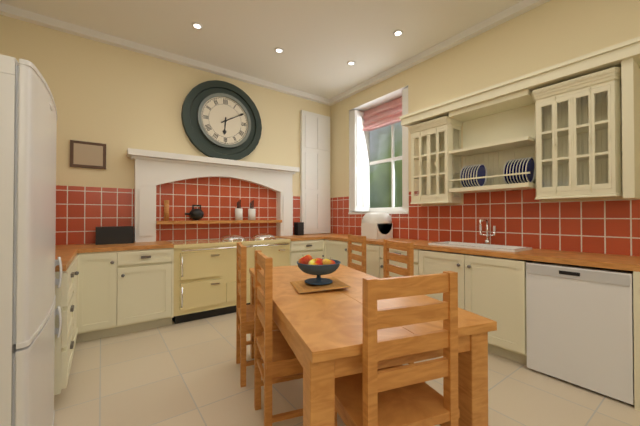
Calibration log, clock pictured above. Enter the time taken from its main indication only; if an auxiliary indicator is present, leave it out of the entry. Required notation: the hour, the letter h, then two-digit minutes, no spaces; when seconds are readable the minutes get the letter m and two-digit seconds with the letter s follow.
6h10
